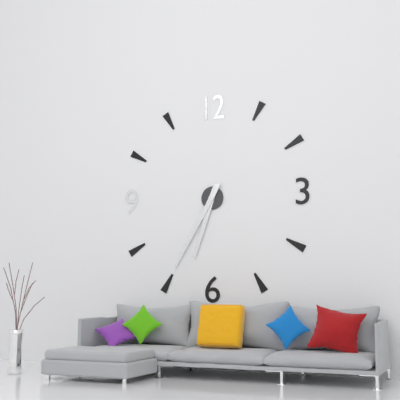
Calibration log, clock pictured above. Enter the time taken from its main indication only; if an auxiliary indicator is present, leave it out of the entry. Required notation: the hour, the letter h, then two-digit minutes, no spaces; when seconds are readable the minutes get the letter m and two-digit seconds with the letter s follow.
6h35
